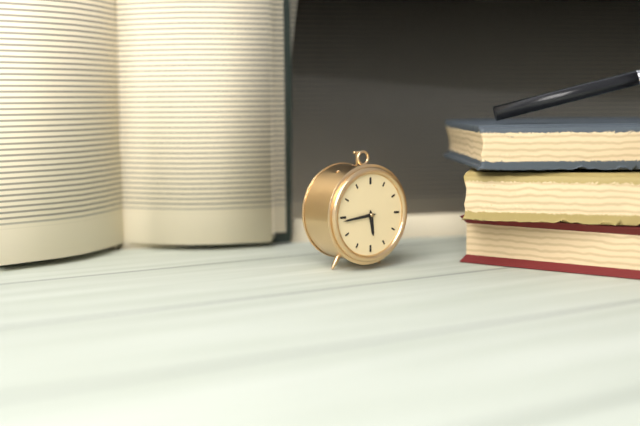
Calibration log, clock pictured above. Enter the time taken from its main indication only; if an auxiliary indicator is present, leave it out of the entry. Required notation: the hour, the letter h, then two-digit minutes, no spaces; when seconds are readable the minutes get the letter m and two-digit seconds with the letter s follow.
5h44
